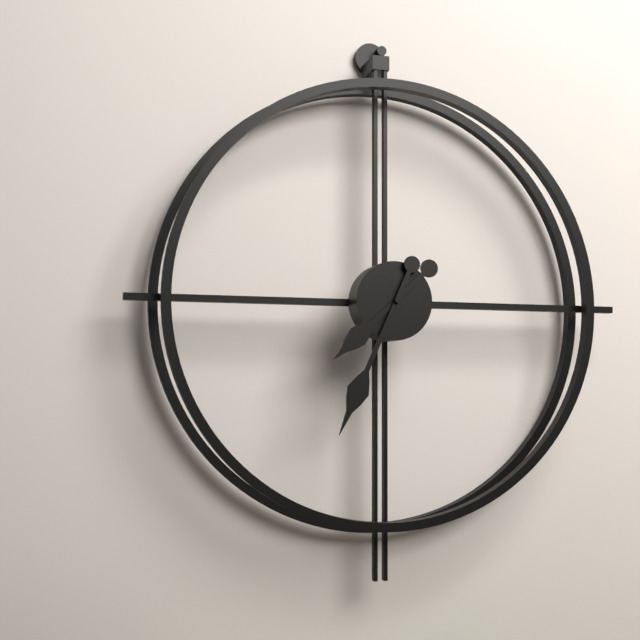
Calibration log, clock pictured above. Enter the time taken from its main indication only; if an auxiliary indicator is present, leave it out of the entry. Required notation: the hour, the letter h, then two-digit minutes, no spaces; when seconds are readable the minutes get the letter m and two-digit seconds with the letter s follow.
7h34
